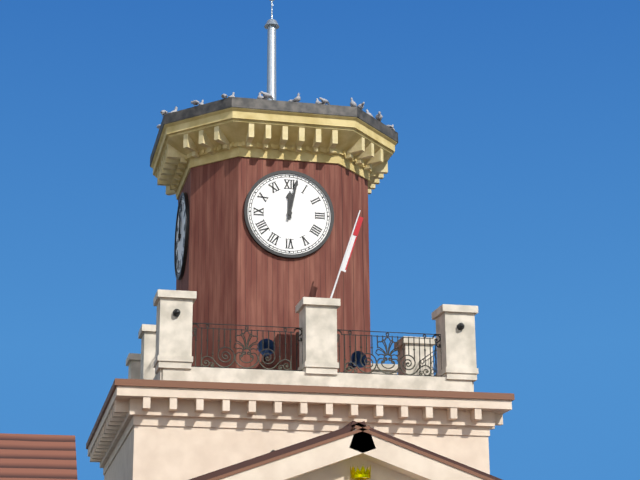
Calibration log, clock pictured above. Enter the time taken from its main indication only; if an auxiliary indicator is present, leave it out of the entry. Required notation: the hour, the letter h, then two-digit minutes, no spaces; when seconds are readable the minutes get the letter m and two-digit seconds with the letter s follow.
12h02
